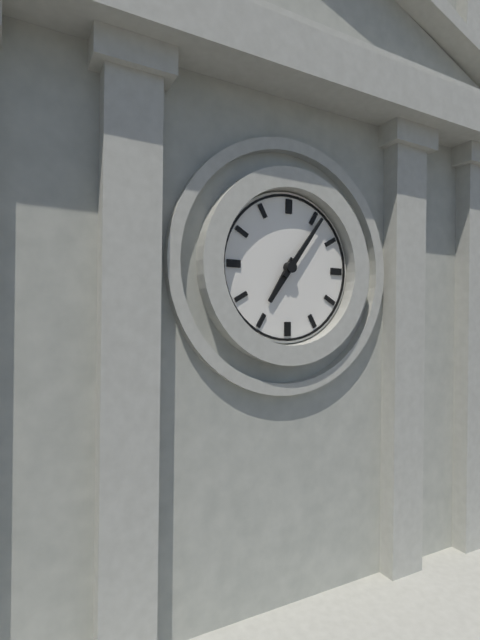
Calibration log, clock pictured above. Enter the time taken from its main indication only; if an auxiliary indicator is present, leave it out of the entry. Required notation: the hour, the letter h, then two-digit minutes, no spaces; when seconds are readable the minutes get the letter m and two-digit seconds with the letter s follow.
7h06
